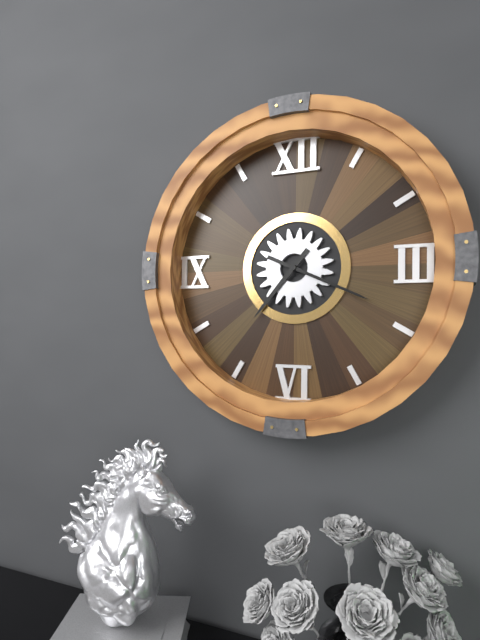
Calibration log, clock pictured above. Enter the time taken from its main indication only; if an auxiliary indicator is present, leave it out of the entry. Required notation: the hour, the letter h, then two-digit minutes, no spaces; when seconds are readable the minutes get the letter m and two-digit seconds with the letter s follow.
7h19
